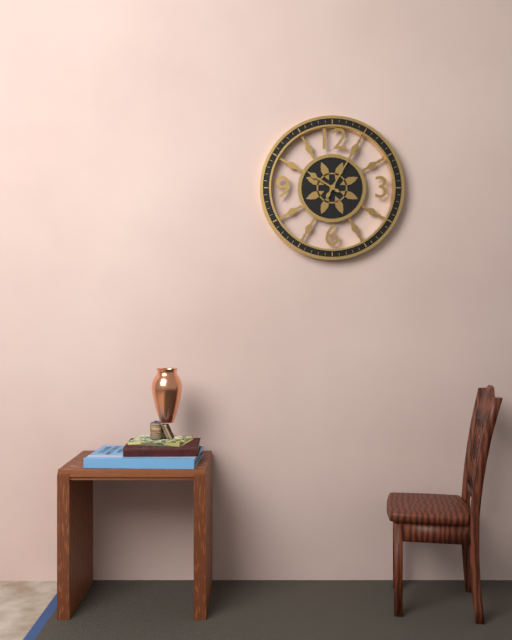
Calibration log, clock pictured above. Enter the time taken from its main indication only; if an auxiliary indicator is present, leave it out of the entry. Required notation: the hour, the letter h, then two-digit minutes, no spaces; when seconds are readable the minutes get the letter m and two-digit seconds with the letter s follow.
10h05
